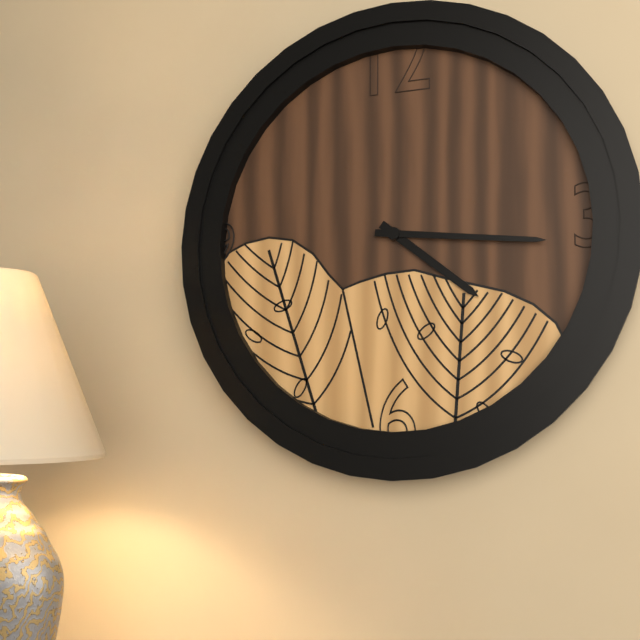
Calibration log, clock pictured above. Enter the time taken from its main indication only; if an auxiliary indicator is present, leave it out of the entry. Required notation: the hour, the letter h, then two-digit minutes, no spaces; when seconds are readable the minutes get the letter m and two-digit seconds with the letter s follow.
4h16
